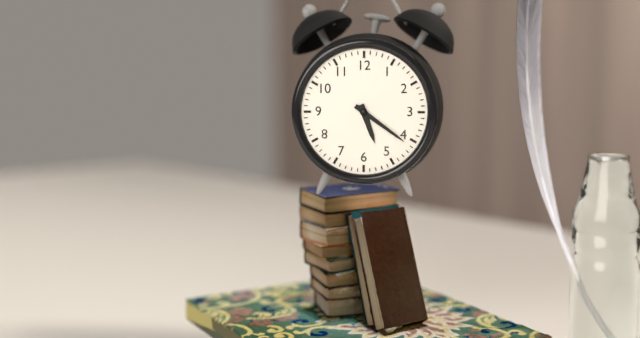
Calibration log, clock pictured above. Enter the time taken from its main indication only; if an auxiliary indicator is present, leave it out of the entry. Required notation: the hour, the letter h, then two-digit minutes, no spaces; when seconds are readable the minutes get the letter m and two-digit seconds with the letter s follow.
5h21
